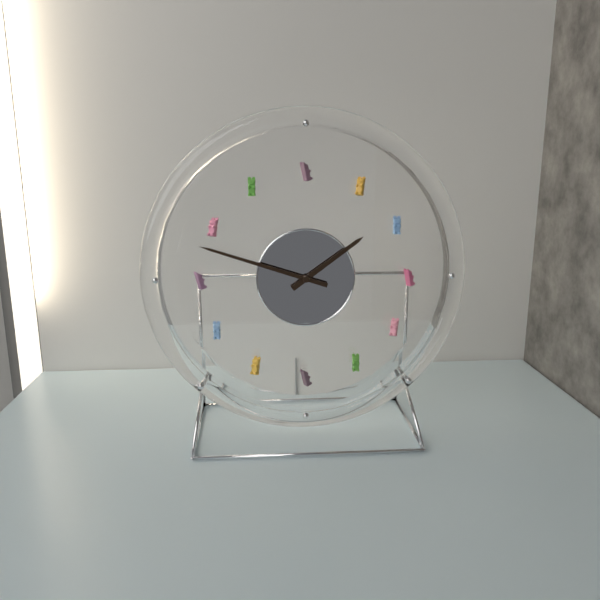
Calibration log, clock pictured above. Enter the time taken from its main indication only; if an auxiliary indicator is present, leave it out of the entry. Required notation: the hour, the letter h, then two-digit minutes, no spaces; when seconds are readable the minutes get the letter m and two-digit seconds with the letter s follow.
1h48
